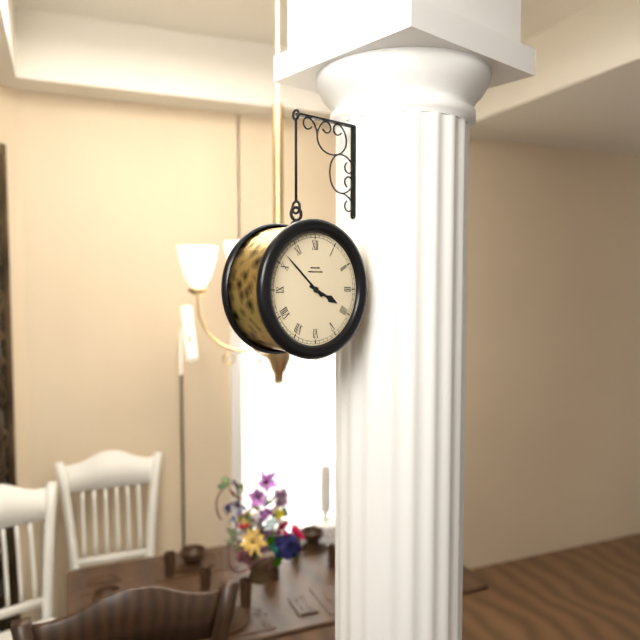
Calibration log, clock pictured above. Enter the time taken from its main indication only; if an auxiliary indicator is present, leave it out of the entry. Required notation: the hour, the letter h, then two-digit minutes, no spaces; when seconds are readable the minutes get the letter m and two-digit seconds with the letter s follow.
3h52
